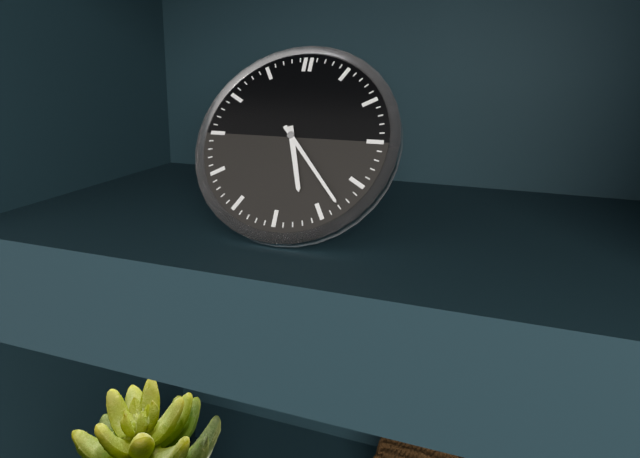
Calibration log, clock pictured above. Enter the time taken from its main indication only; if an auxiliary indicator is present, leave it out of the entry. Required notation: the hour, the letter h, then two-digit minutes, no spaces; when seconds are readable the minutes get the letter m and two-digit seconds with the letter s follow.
5h23
